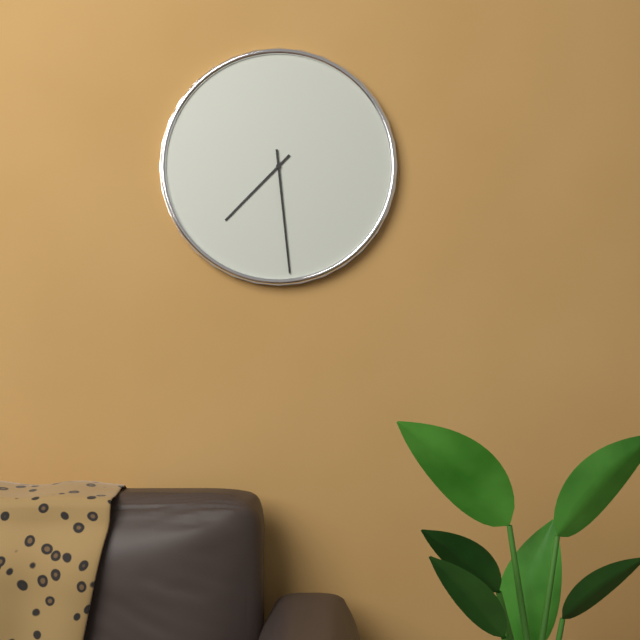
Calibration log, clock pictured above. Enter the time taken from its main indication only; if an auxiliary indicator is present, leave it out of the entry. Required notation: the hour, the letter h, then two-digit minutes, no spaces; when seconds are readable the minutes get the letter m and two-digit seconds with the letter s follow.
7h29
